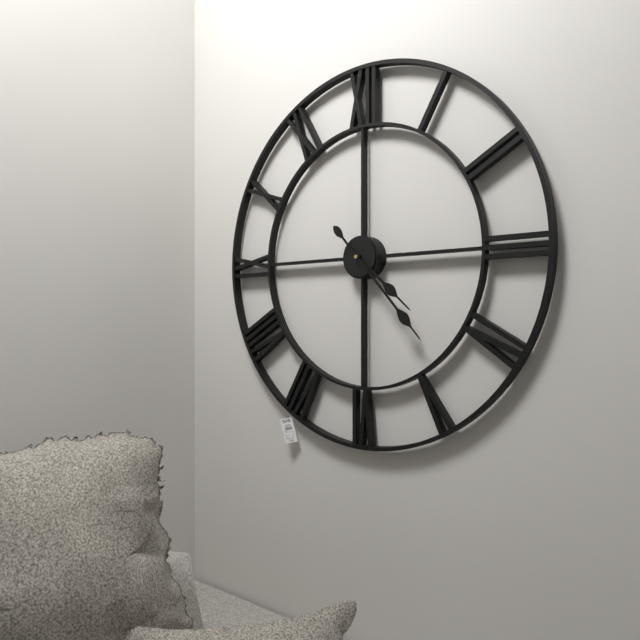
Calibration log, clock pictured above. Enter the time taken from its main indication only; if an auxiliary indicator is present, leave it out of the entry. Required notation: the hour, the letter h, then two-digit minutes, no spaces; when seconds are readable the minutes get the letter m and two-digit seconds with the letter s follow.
4h23
